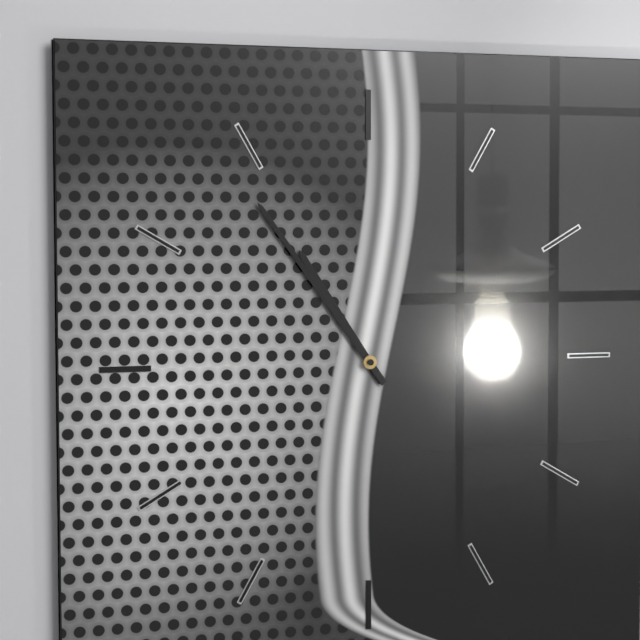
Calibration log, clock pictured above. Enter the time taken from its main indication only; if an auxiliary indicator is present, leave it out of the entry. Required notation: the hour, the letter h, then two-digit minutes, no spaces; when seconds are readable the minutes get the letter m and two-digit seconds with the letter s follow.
10h54
